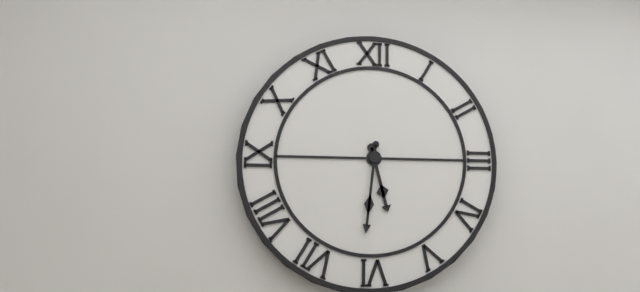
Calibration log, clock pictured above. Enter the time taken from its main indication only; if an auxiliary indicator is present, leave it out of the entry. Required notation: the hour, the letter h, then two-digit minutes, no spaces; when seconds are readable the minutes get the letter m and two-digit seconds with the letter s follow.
5h31
